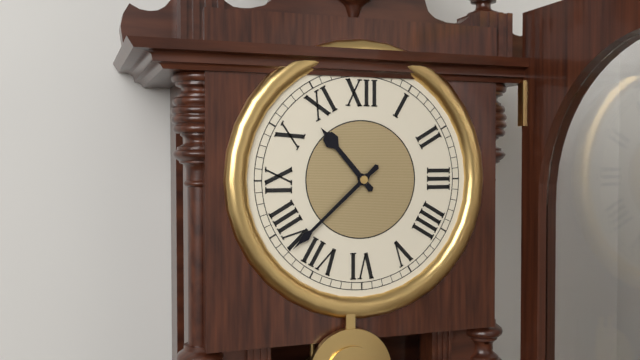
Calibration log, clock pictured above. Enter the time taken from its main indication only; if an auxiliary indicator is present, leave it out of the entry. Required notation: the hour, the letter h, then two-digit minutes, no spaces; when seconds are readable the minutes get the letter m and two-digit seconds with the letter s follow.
10h38
